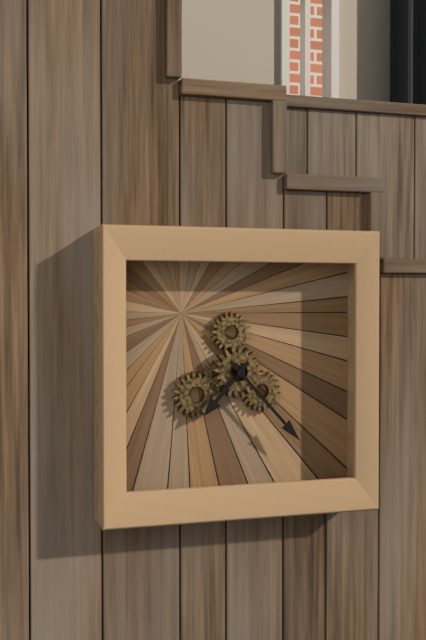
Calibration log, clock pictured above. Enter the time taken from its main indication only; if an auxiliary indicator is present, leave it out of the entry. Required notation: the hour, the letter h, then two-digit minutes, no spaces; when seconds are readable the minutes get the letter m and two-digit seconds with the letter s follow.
7h23
